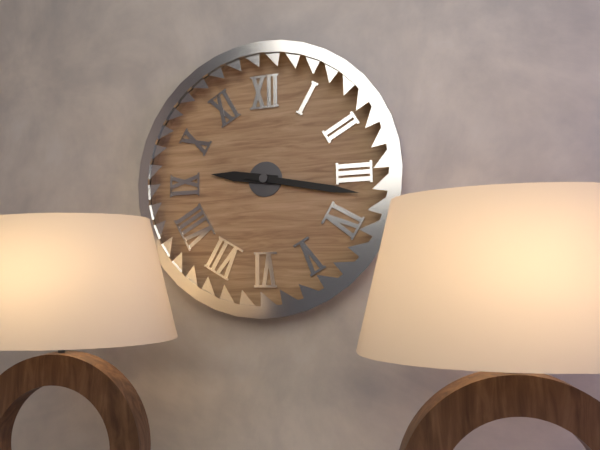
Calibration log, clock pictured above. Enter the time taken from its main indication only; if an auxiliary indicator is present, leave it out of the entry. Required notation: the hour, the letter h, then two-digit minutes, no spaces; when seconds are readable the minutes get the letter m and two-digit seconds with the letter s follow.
9h17
